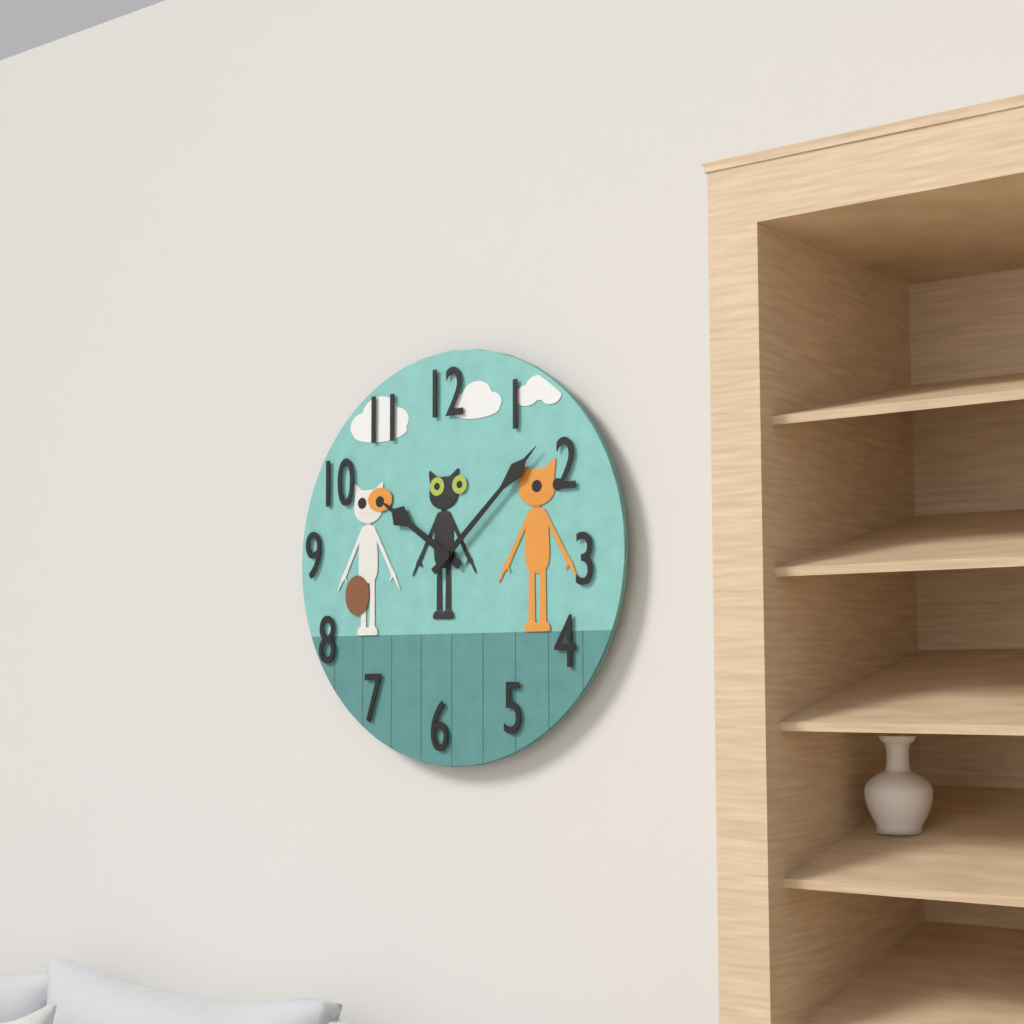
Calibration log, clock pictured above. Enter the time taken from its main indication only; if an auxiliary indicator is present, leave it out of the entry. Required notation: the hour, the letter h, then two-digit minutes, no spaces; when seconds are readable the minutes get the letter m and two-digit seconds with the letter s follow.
10h08
